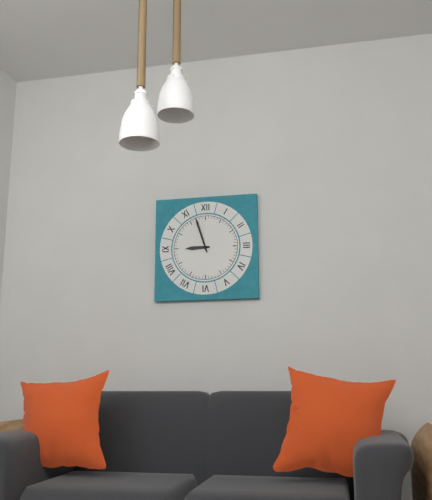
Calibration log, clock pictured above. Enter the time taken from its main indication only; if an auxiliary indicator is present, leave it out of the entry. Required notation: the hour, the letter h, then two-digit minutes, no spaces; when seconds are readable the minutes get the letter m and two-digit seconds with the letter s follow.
8h57
